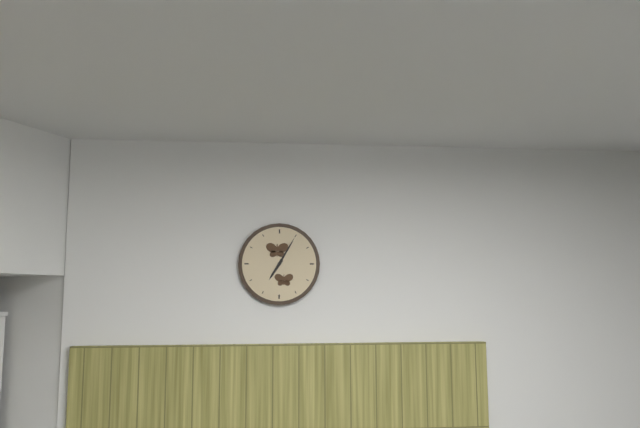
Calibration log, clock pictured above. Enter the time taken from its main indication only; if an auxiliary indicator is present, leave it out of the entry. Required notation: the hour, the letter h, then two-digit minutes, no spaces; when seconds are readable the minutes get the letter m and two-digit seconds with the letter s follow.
7h05
